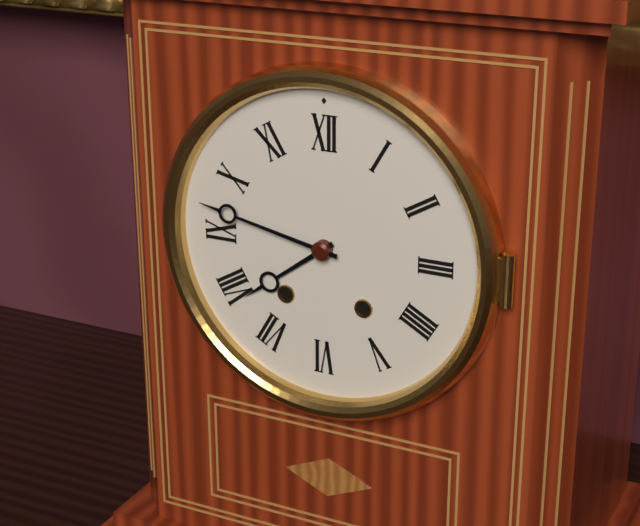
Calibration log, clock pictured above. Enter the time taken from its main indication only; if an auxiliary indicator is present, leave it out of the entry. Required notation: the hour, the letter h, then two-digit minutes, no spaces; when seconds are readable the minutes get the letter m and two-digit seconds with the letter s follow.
7h47
